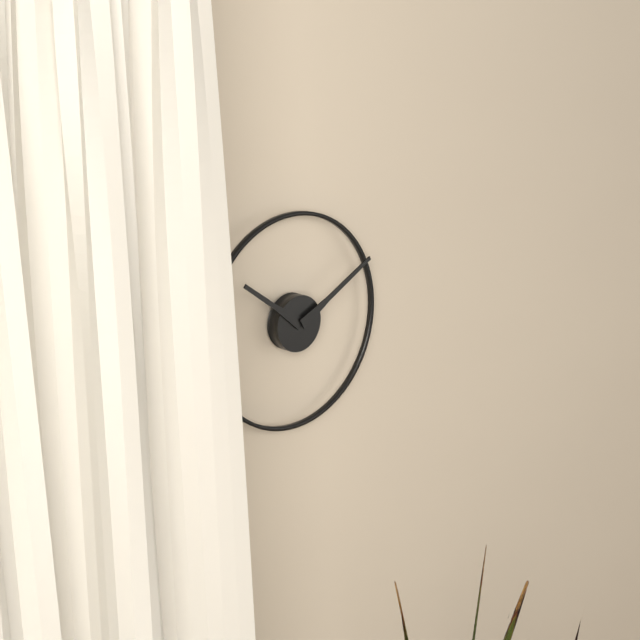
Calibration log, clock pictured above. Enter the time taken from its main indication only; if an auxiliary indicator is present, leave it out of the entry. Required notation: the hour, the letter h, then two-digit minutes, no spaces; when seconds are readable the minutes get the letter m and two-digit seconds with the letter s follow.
10h10
